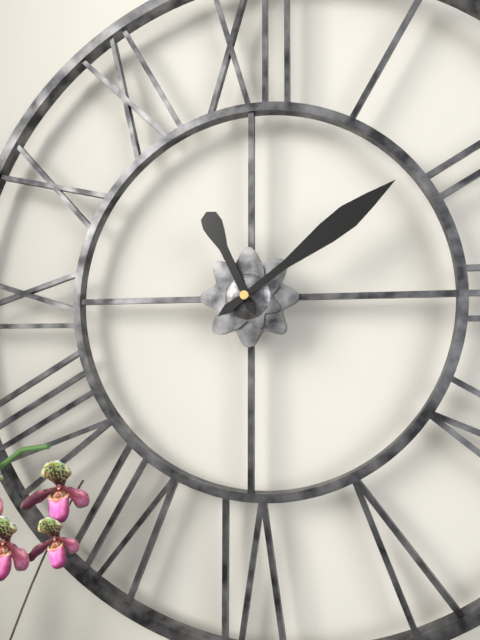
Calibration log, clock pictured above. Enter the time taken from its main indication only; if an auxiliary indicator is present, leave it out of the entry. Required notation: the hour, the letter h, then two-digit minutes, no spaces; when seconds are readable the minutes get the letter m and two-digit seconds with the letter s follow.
11h09
